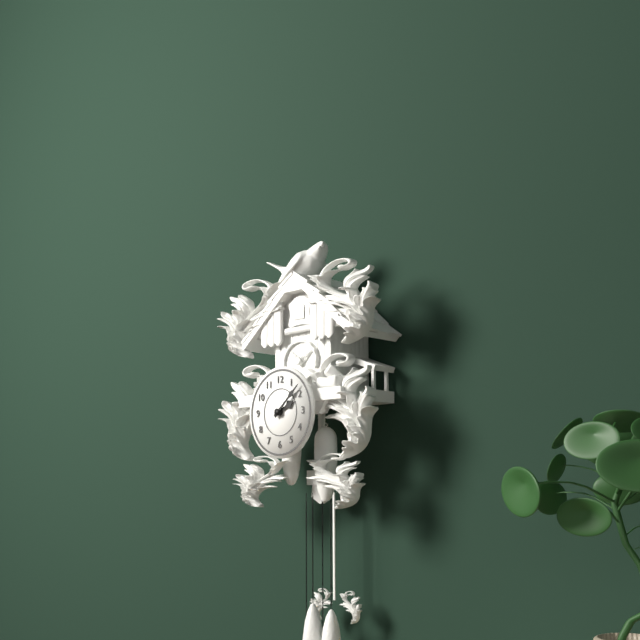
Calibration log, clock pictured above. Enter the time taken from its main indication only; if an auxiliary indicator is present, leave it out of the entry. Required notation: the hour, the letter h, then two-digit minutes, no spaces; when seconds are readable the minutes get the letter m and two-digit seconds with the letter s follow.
2h08
